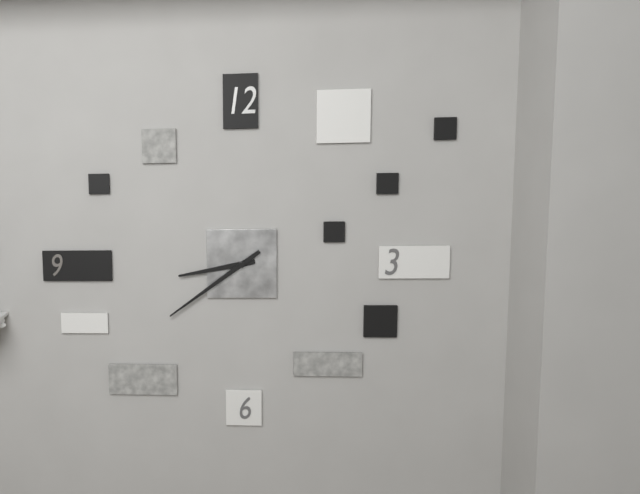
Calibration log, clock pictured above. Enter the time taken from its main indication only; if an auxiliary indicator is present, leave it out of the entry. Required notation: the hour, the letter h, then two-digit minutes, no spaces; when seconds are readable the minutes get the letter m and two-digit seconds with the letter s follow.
8h39
